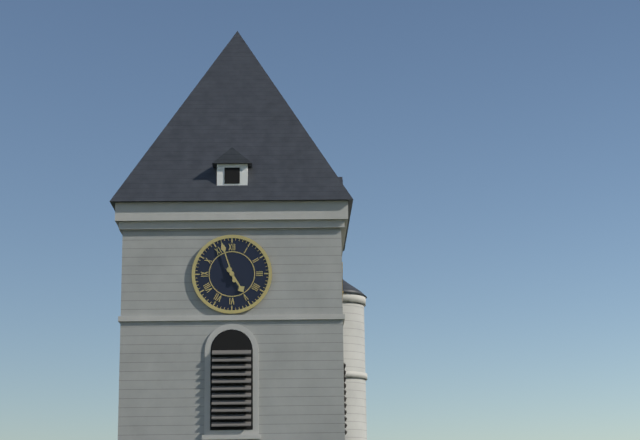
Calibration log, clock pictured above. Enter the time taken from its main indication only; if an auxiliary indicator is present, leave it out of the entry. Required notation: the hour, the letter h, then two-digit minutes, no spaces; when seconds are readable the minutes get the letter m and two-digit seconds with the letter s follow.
4h57
